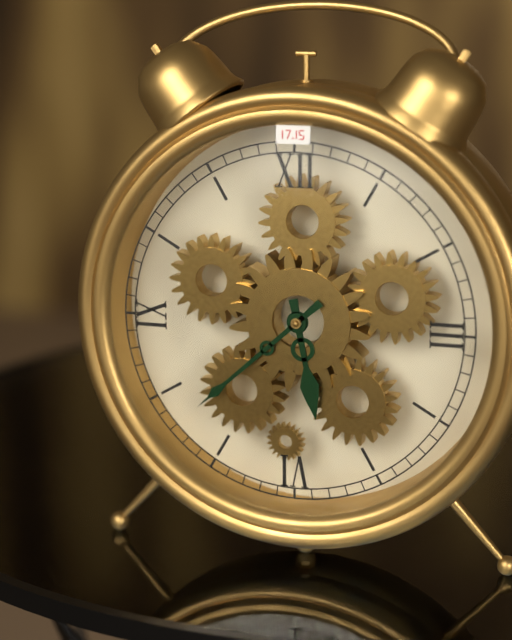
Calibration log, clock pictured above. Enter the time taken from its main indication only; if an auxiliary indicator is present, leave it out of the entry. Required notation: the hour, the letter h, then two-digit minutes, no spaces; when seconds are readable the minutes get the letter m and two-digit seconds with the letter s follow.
5h38
